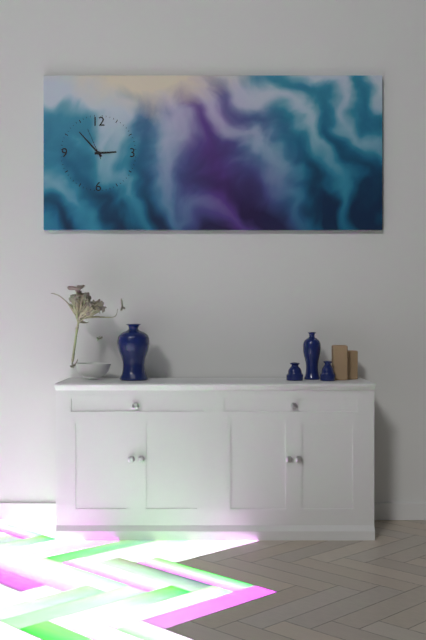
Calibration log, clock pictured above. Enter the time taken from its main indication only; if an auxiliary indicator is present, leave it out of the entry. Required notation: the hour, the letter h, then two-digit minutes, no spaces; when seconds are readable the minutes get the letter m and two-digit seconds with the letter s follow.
2h53
